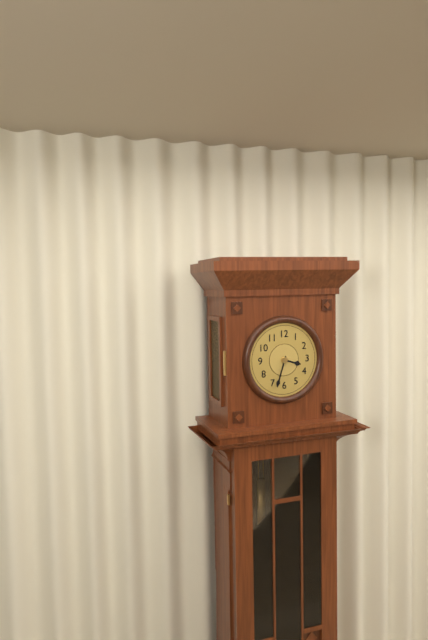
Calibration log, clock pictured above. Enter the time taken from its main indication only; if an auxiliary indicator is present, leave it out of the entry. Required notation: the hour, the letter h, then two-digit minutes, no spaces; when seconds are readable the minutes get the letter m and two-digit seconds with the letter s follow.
3h33
